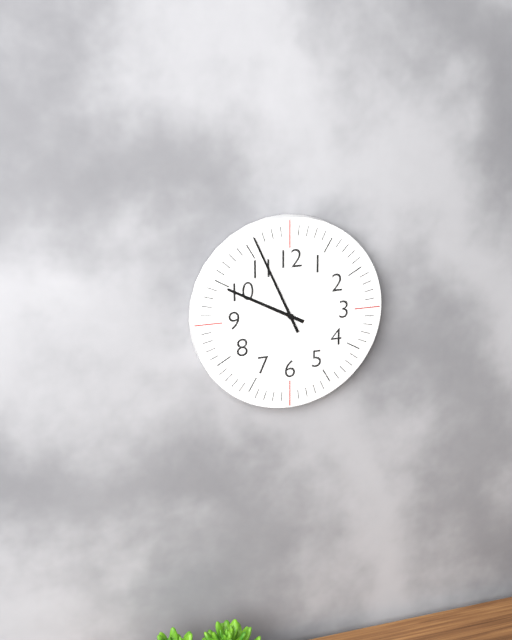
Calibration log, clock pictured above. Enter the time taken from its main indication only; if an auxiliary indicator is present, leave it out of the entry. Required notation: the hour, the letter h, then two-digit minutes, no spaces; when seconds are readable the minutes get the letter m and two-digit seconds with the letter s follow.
9h56
